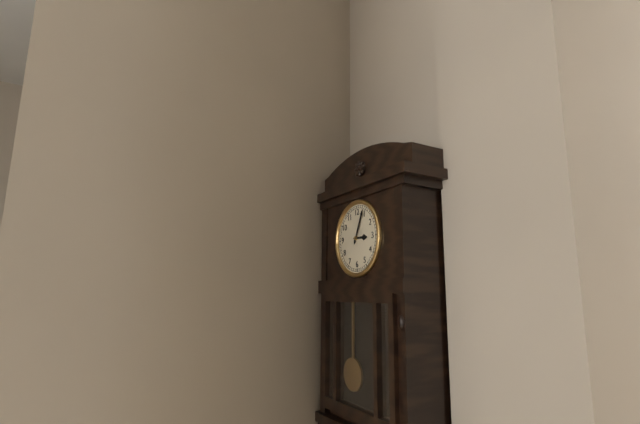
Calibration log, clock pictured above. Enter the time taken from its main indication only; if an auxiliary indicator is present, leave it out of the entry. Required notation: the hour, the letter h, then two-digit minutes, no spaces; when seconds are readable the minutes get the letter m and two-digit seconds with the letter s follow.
3h04
